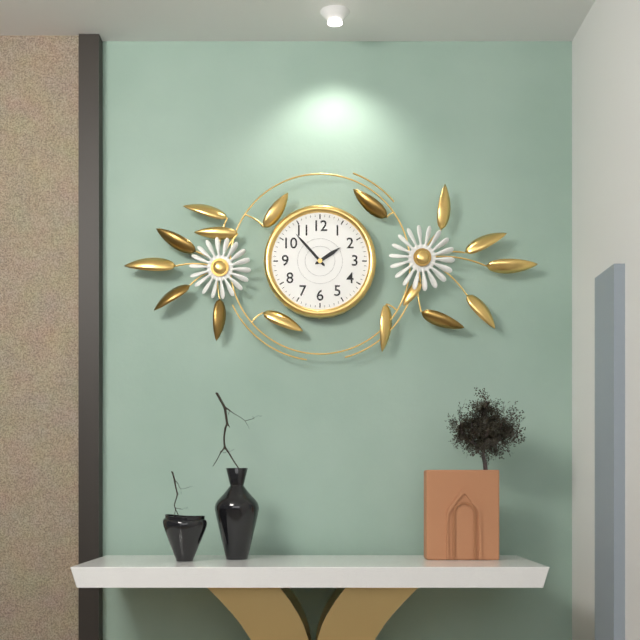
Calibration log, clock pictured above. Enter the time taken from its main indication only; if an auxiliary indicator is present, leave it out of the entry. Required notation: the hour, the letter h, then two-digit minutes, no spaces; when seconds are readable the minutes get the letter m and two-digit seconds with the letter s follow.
1h53
